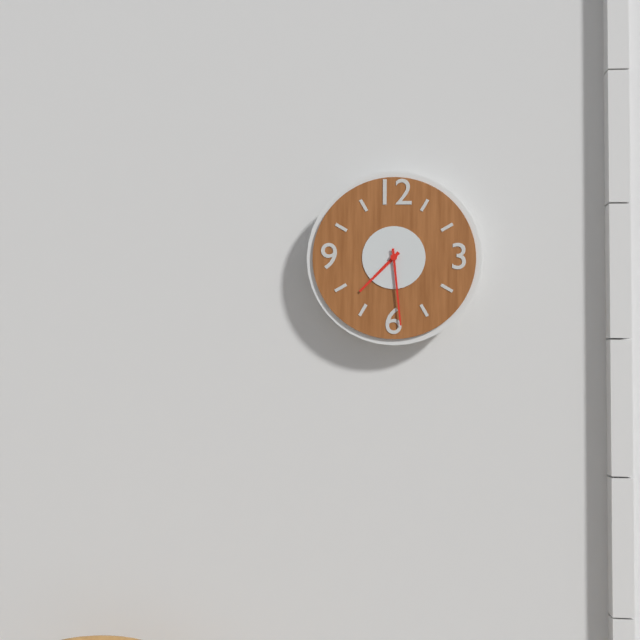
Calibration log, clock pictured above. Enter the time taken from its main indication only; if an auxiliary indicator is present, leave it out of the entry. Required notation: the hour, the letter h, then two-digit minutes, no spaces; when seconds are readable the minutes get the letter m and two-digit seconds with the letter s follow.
7h29
